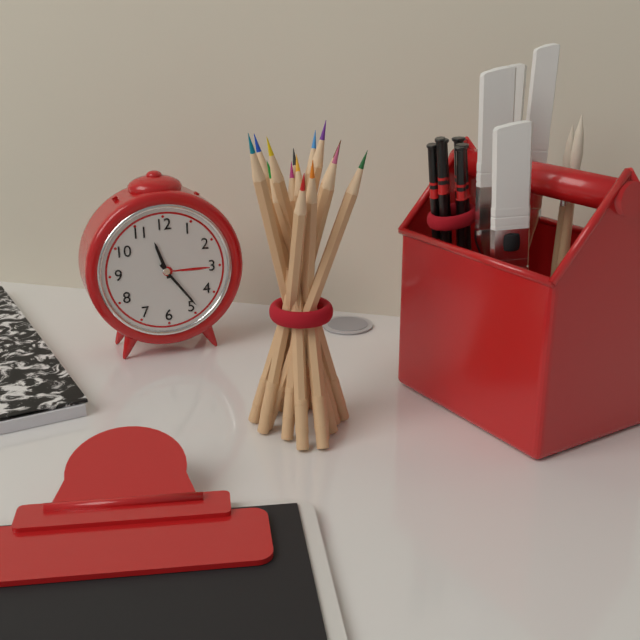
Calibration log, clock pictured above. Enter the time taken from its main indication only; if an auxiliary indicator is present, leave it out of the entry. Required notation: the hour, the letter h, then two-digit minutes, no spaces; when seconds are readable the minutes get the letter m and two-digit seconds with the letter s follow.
11h24
